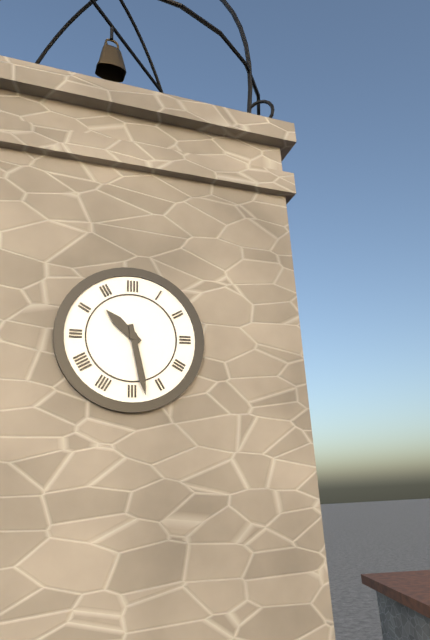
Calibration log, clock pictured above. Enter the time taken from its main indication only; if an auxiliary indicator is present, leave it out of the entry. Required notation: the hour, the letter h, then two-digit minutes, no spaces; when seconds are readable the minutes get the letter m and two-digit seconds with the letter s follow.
10h28
